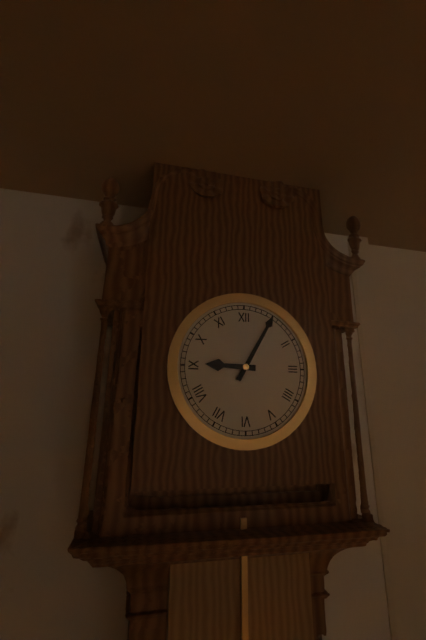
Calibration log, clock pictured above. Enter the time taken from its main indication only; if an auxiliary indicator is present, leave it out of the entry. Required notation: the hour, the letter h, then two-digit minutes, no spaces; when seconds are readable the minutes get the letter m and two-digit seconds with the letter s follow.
9h05
